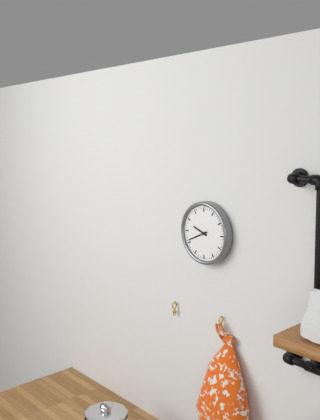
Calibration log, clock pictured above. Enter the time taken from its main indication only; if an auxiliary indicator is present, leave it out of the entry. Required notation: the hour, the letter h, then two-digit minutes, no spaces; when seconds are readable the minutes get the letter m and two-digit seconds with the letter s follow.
9h41
